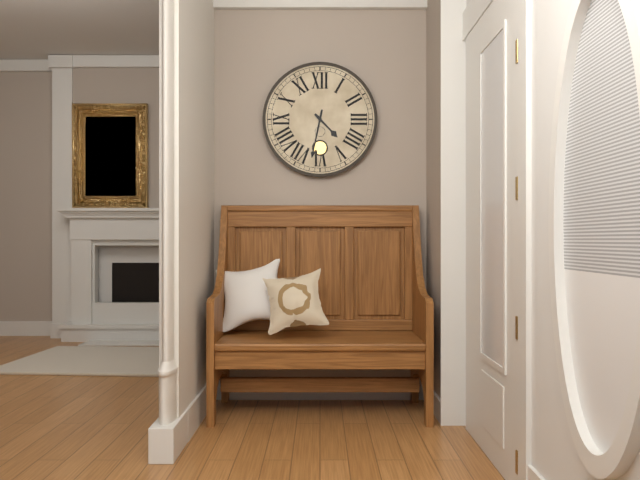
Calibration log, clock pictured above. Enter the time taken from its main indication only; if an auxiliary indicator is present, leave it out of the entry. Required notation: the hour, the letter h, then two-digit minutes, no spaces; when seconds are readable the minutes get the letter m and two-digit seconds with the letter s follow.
4h32
